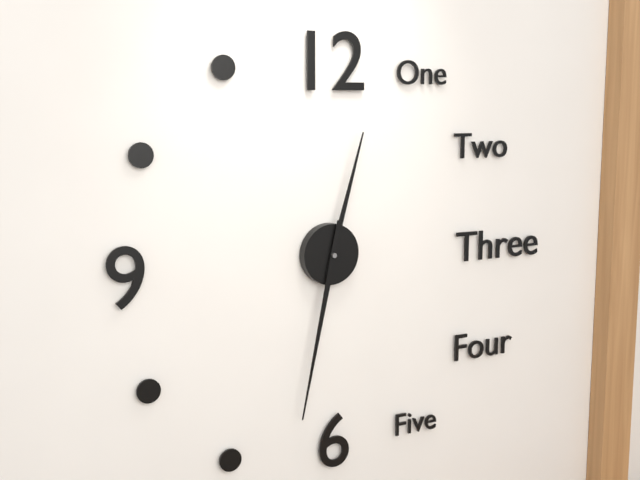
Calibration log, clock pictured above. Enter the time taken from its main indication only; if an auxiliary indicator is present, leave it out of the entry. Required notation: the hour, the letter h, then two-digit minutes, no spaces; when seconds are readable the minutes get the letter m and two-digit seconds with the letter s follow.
12h32
